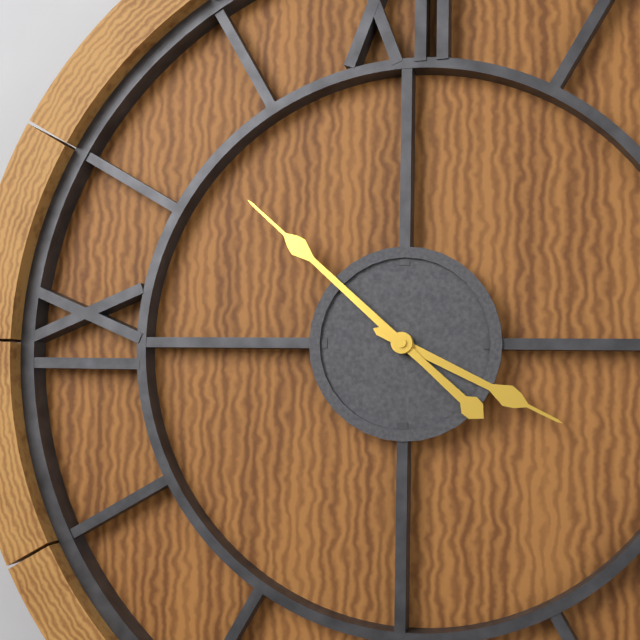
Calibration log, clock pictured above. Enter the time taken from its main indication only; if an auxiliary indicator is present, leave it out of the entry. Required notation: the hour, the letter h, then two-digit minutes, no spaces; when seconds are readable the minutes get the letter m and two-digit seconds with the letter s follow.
3h52
